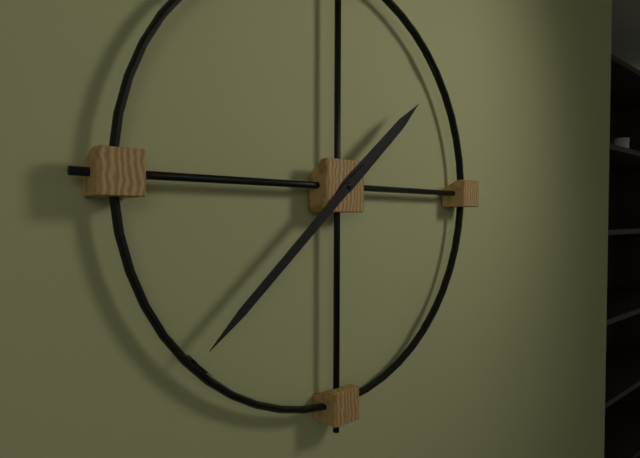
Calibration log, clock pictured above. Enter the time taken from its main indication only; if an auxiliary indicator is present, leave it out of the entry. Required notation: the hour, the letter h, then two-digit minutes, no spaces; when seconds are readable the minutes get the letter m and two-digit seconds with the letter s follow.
1h38
